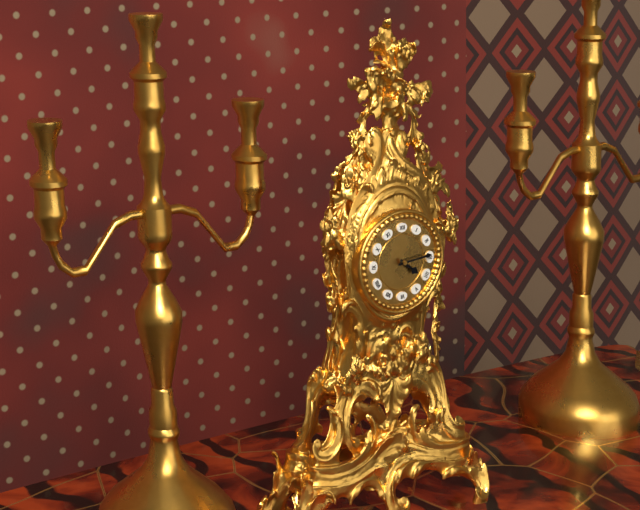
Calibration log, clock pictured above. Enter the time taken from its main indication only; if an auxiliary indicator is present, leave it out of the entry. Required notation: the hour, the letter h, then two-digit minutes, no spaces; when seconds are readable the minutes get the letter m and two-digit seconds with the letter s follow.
4h14
